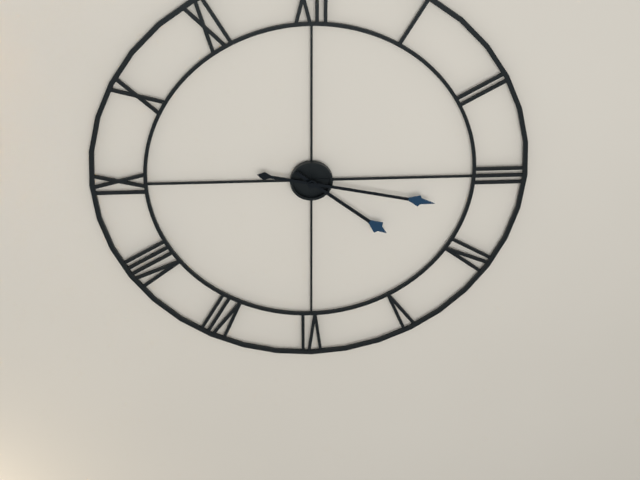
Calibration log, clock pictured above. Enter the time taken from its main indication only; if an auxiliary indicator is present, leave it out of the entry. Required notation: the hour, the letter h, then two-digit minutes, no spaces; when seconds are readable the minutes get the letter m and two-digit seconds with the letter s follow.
4h17
